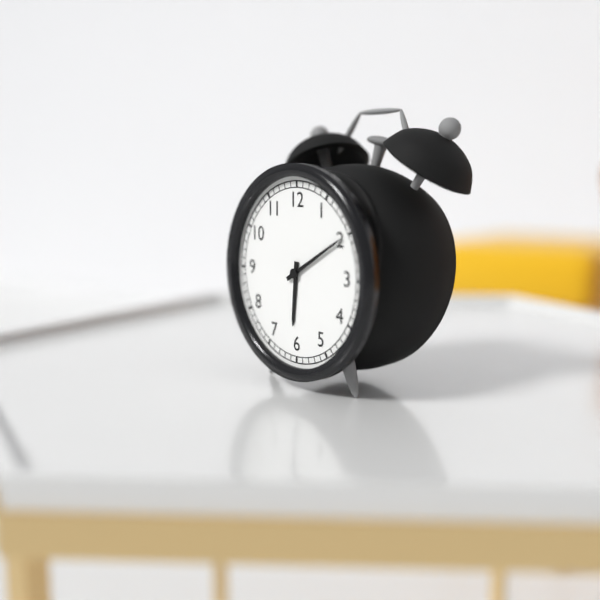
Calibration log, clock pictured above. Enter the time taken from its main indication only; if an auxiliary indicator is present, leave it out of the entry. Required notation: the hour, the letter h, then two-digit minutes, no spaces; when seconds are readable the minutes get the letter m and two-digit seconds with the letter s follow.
6h10
